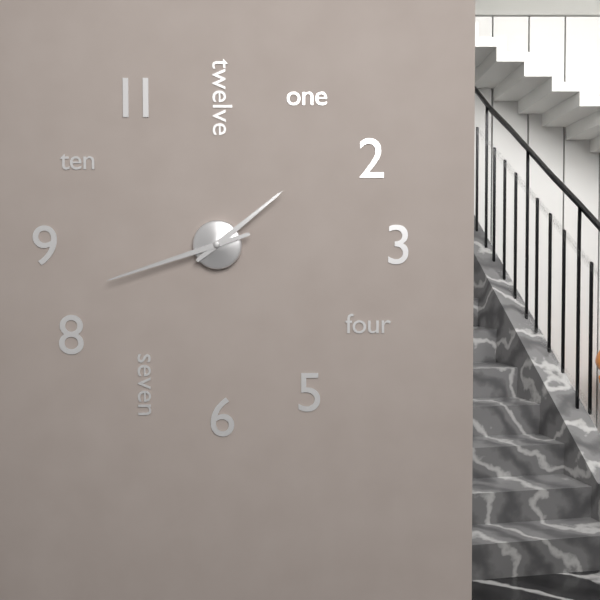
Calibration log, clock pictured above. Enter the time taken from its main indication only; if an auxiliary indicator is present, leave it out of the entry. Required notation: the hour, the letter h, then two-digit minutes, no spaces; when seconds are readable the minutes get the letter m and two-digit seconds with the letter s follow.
1h42
